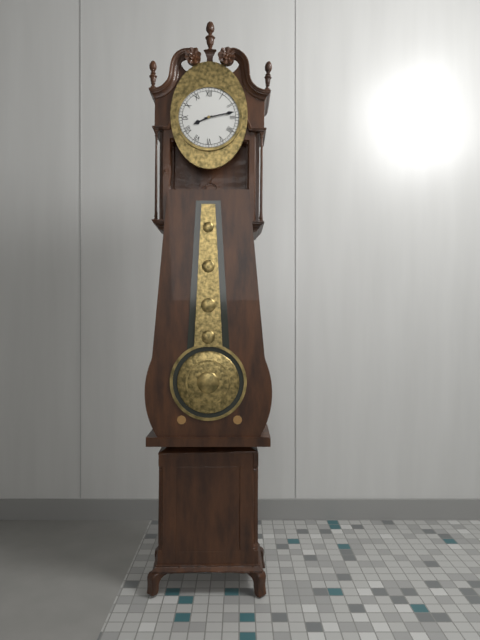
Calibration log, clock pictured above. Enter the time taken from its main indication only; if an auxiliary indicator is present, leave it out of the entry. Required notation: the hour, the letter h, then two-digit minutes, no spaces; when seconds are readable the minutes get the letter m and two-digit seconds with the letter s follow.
8h13
